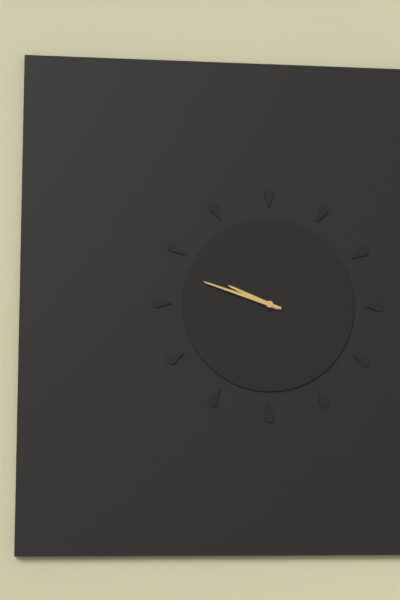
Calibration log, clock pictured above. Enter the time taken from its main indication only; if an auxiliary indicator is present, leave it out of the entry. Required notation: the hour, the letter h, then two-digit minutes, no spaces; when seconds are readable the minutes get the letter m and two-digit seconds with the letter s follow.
9h48
